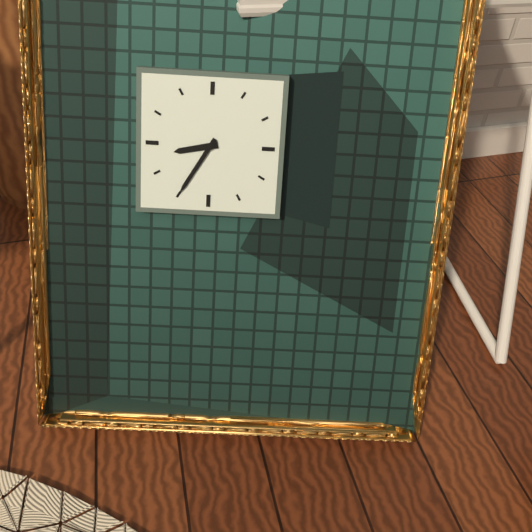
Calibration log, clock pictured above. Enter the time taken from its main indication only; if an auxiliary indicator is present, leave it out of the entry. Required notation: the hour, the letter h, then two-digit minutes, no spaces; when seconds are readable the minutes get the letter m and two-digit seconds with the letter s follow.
8h35
